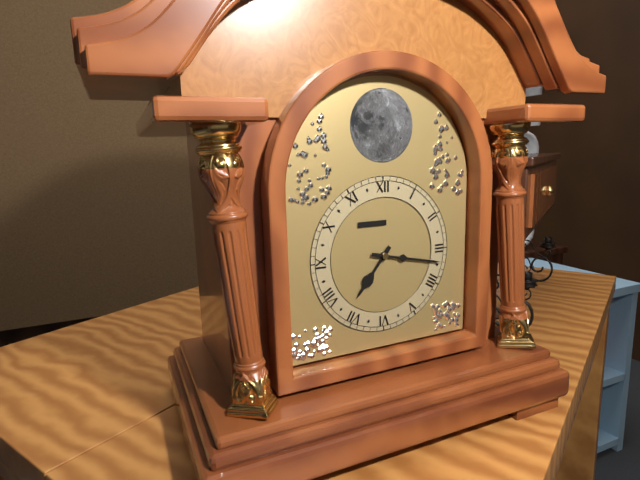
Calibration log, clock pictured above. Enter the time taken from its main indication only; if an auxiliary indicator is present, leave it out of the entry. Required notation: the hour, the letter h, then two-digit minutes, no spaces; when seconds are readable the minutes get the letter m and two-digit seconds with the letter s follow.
7h17
